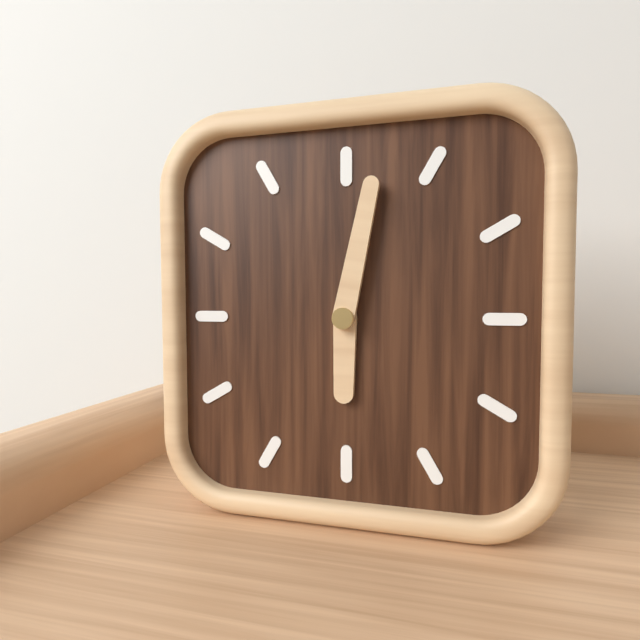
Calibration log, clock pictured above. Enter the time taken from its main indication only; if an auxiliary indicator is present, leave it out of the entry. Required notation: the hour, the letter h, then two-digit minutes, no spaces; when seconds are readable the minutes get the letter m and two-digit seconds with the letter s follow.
6h02
